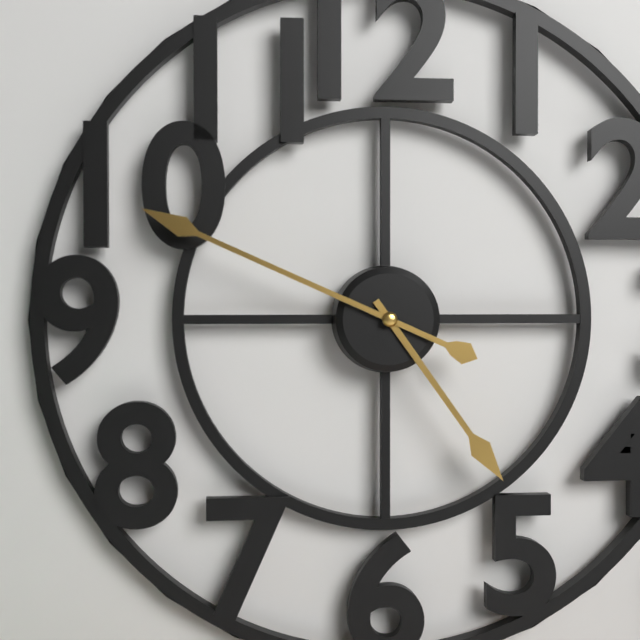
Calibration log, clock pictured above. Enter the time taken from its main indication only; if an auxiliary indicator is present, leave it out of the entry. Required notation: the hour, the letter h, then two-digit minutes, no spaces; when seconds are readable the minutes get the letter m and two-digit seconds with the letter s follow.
4h49
